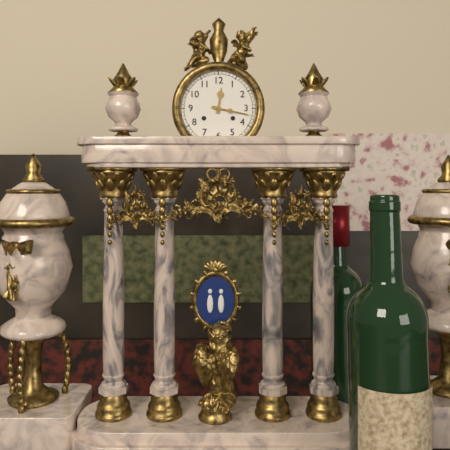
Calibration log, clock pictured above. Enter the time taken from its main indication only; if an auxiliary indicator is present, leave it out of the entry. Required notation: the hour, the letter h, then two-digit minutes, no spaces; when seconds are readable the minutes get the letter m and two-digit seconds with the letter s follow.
12h17
